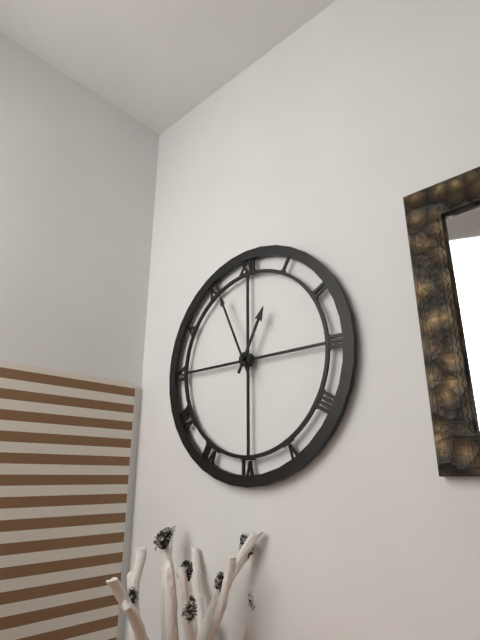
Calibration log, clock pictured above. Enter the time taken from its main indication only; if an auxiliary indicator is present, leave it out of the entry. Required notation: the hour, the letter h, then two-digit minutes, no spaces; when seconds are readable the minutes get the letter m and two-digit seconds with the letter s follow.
12h56
